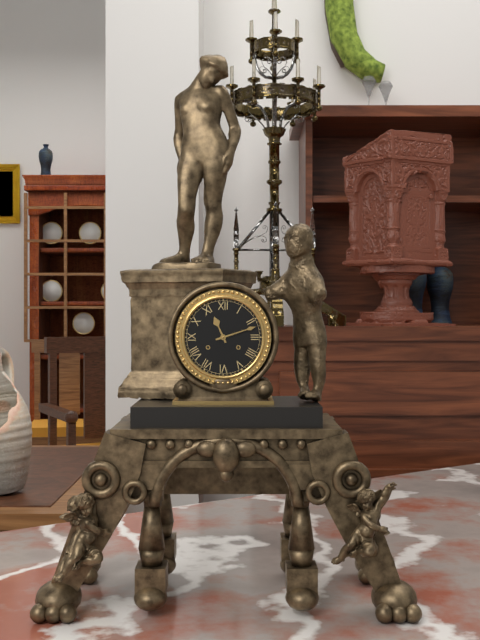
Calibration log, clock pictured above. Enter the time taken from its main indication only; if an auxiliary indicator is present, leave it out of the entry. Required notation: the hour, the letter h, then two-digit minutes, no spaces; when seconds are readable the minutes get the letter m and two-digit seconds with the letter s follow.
11h12
